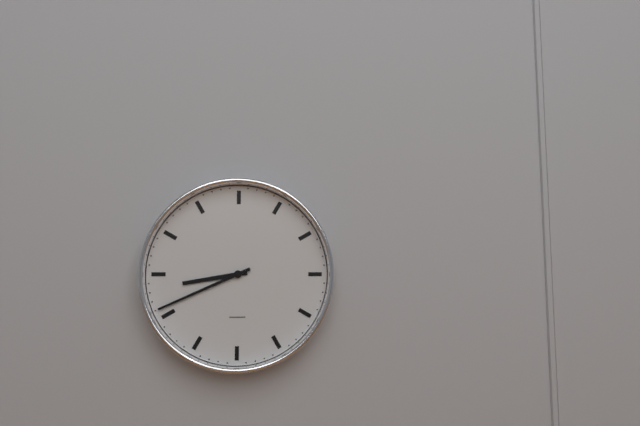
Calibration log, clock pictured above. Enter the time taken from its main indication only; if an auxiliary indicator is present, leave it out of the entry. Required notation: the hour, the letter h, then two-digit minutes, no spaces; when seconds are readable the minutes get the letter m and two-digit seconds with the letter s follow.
8h41
